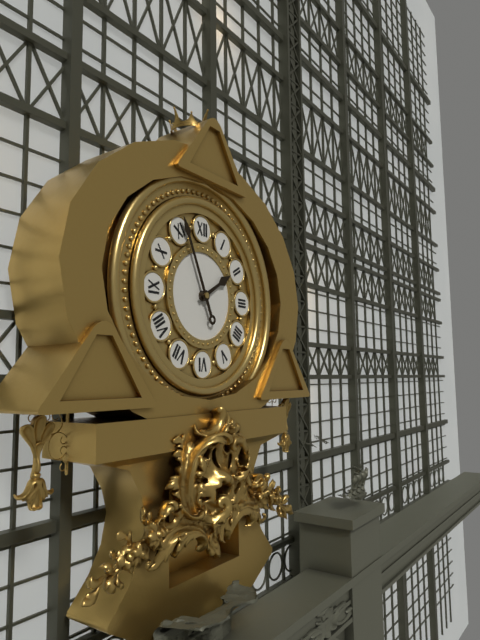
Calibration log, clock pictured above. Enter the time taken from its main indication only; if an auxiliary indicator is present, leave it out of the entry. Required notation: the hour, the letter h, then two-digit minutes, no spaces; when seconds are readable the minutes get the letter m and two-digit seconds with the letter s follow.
1h56
